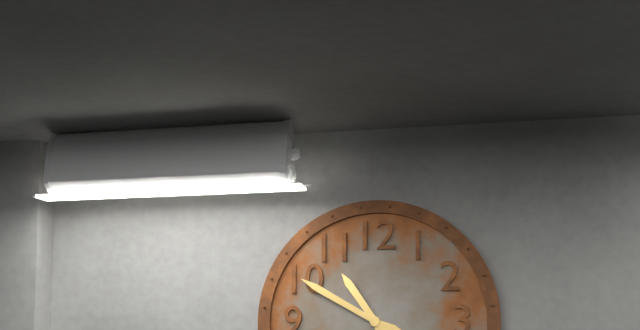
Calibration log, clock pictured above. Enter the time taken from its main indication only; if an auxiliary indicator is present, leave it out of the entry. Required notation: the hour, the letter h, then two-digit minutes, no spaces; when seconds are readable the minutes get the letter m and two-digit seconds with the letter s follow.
10h50
